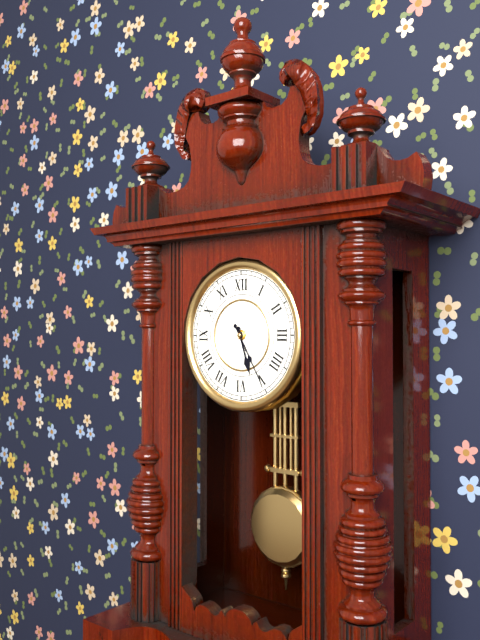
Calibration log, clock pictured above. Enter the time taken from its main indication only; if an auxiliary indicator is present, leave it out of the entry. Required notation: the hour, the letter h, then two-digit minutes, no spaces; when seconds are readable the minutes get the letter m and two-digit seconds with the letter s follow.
5h25
